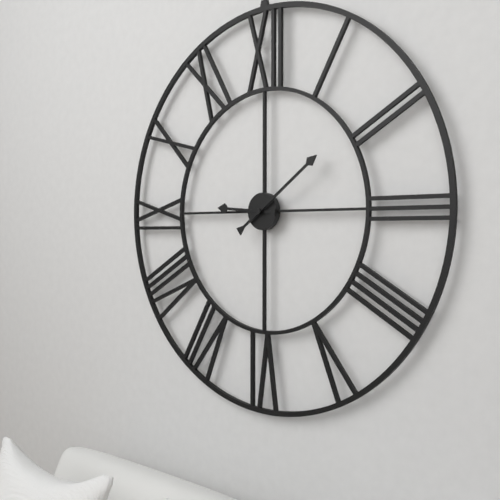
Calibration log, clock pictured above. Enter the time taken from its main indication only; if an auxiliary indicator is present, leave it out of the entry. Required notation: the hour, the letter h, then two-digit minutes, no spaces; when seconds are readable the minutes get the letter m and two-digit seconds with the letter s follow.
9h09
